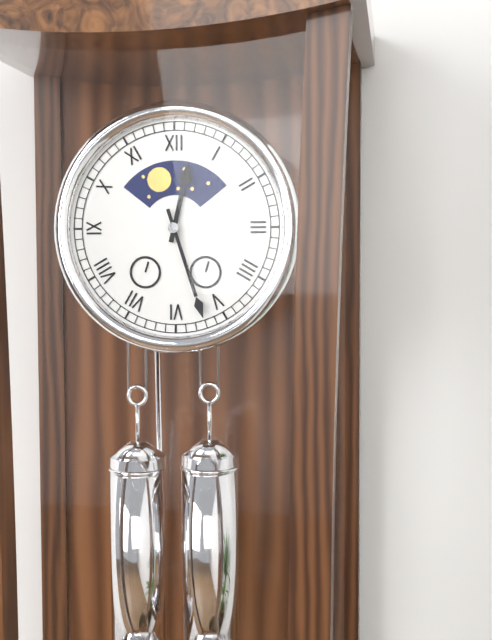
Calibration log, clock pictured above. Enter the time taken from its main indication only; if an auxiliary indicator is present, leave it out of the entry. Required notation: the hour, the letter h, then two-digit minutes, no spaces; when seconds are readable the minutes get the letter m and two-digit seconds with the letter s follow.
12h27
